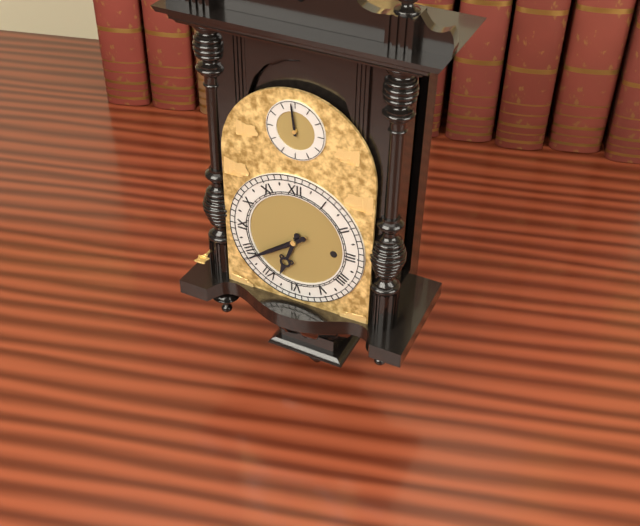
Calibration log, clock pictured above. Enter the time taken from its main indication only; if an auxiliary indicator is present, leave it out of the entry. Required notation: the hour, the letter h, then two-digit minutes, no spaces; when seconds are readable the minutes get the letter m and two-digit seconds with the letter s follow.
6h39
